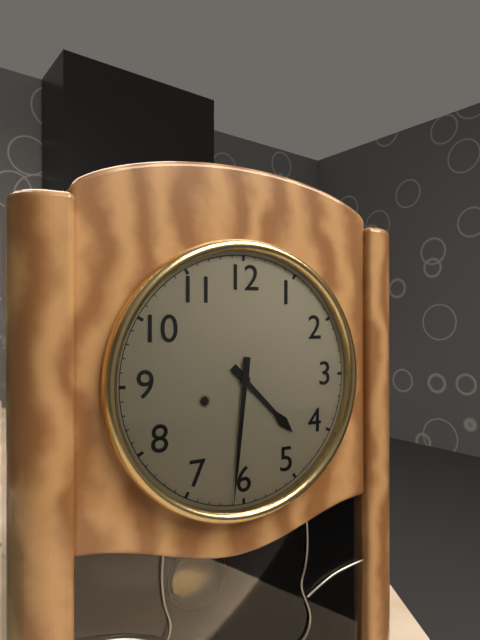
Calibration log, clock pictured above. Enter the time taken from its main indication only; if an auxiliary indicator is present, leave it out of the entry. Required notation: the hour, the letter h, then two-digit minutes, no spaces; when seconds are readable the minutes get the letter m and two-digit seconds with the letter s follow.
4h31
